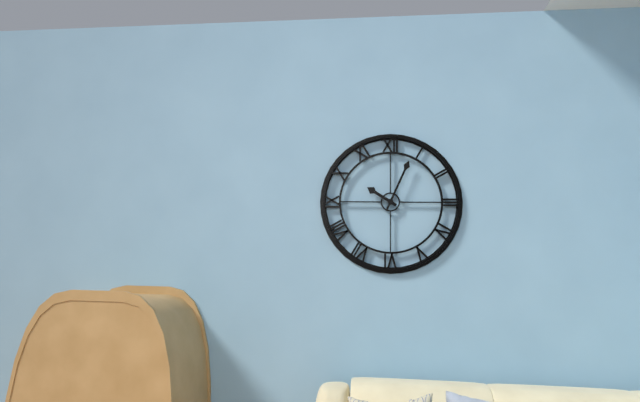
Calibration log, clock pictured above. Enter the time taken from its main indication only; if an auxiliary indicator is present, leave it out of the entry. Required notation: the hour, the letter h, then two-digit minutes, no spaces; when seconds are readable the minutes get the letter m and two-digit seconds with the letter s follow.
10h04
